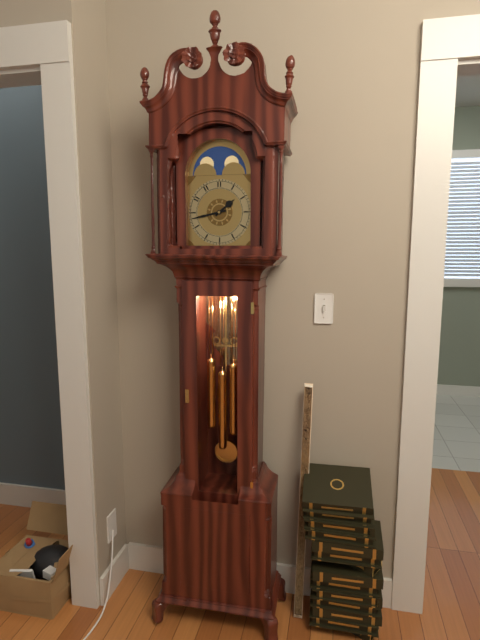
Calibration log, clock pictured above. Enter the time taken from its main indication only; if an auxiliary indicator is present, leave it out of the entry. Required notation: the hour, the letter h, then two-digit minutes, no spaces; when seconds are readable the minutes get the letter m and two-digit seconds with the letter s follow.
1h43
